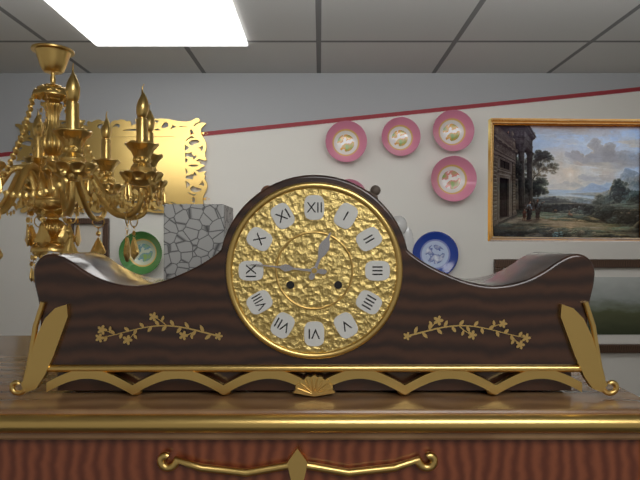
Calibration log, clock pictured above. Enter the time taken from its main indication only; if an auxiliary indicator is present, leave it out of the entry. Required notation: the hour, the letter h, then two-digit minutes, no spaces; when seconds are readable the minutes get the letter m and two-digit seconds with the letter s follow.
12h46
